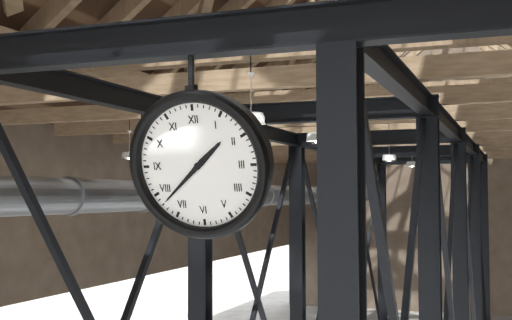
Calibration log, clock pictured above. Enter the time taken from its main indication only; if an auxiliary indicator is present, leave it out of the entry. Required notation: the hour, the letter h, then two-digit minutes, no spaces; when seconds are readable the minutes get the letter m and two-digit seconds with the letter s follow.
1h38
